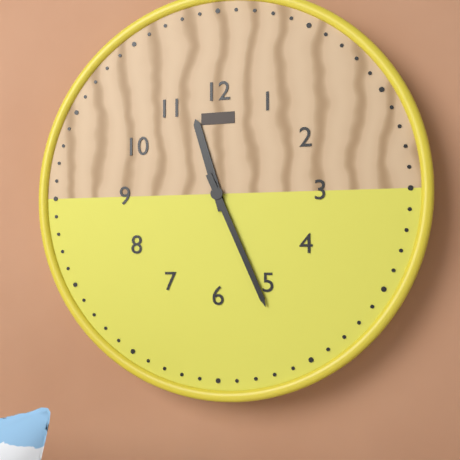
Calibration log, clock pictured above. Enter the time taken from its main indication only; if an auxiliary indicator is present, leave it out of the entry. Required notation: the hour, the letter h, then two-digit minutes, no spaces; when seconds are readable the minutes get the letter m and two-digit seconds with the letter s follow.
11h26
